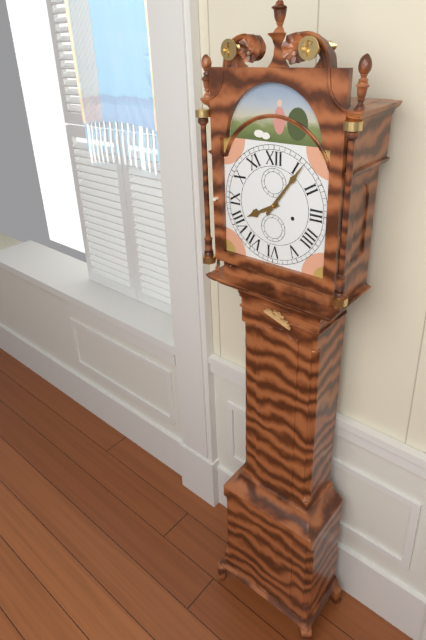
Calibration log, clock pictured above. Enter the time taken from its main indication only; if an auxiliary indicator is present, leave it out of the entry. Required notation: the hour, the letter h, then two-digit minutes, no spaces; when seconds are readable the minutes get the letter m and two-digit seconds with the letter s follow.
8h06
